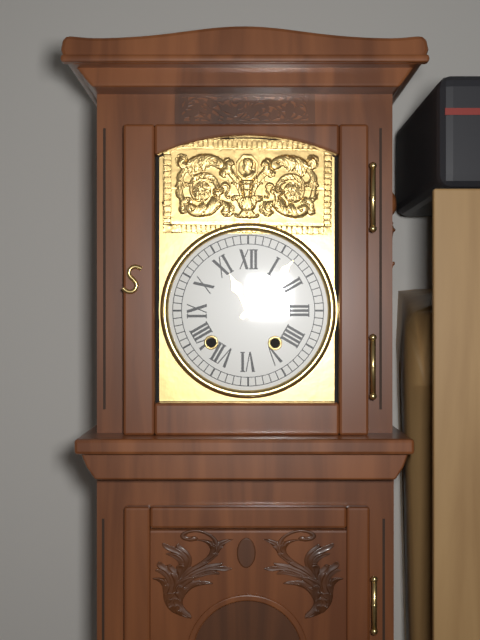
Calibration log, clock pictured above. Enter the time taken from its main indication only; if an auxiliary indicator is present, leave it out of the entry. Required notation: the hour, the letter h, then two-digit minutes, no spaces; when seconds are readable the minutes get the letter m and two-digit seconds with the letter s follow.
11h07
